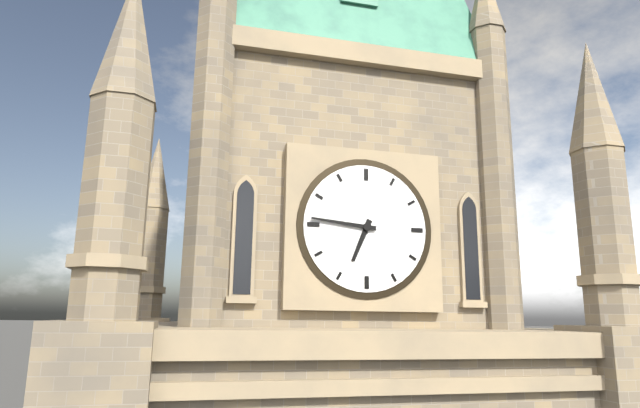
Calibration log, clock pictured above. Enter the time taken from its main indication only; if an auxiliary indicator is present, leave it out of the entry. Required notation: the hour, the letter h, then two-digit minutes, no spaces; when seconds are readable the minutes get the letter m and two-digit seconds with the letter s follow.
6h46
